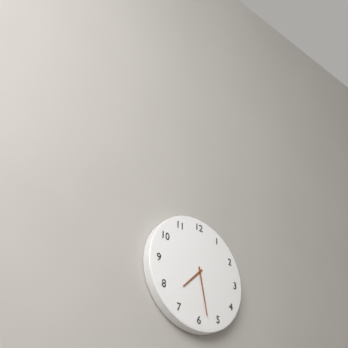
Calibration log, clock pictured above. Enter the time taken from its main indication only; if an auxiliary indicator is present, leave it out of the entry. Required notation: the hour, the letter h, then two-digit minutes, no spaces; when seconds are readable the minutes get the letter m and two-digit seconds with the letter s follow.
7h28
